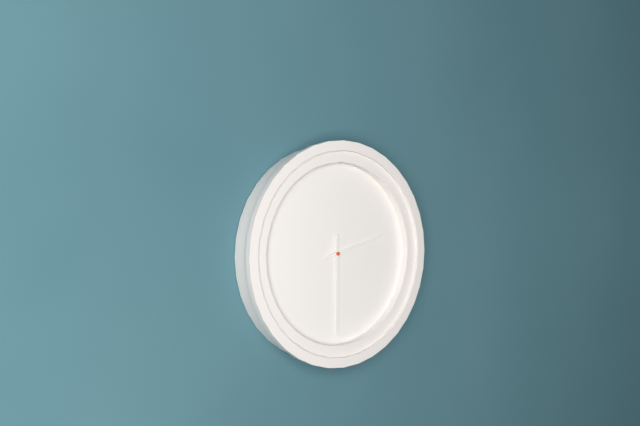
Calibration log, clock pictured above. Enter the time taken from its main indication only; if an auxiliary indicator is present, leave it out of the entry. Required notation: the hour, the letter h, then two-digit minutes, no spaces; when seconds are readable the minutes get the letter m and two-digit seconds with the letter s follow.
2h30
